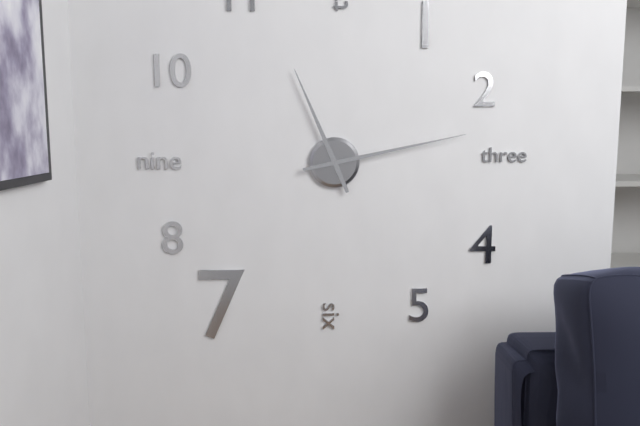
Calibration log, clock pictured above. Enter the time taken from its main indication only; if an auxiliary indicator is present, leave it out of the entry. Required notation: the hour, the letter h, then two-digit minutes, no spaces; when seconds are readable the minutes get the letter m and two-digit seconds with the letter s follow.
11h13
